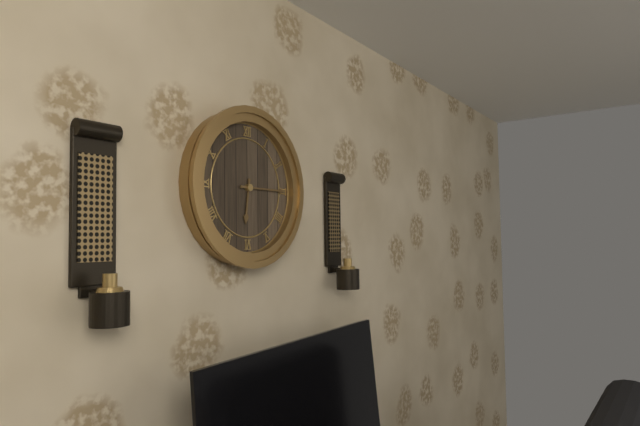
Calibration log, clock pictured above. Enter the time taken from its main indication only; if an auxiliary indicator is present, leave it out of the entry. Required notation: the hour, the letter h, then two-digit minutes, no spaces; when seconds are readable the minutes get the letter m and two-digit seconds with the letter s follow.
6h15
